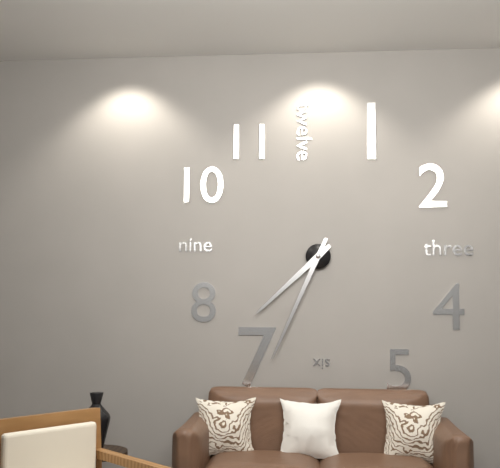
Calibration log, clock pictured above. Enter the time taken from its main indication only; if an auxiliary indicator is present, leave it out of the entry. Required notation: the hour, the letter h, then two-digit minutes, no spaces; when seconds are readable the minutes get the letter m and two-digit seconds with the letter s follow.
7h34
